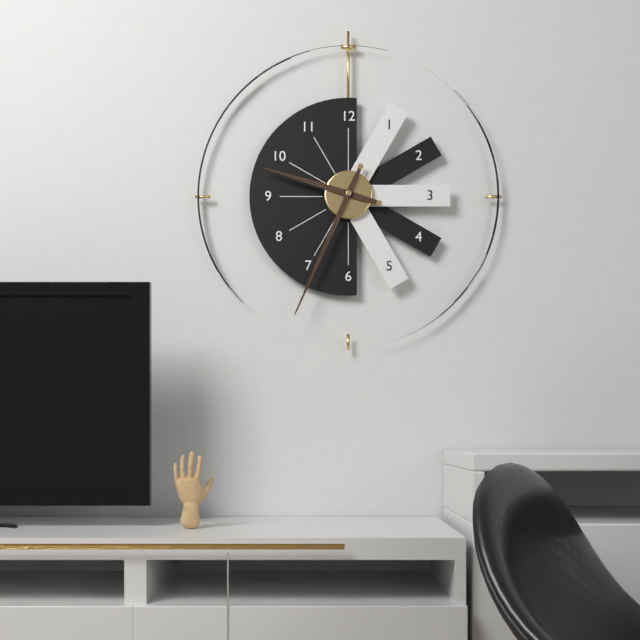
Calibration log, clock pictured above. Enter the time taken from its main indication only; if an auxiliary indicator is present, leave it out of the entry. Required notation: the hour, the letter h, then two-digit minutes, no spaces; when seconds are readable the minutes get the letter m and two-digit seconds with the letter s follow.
9h34
